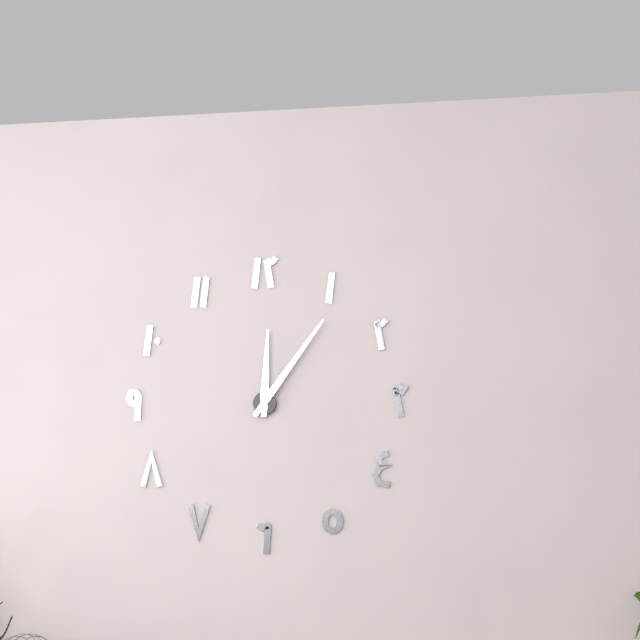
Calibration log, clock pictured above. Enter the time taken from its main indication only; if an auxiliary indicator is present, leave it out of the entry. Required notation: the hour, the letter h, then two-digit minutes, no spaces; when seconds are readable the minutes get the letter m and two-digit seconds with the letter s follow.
12h06
